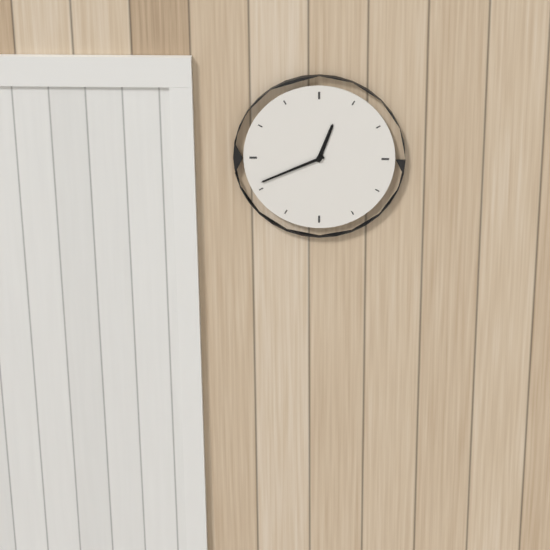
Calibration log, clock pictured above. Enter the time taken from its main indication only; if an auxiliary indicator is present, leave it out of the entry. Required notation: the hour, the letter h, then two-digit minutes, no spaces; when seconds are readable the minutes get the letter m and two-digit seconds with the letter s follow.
12h41
